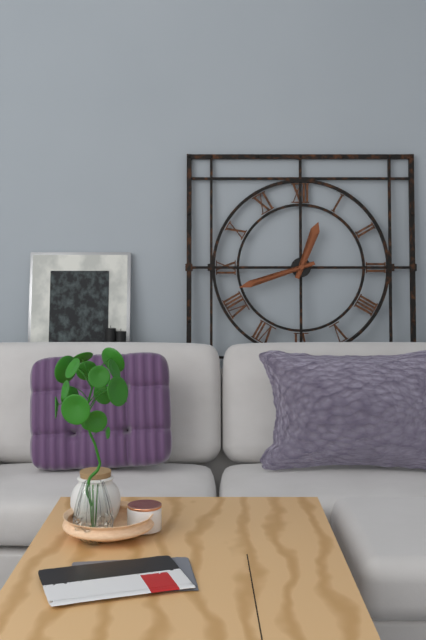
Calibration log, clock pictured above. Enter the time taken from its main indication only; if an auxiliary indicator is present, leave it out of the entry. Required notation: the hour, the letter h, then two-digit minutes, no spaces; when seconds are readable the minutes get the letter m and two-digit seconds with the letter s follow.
12h42
